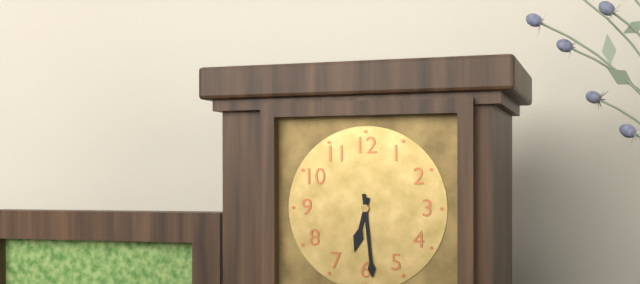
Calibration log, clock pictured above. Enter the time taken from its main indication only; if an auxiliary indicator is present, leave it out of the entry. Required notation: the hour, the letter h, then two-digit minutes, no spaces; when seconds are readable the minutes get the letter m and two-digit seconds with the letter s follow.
6h29
